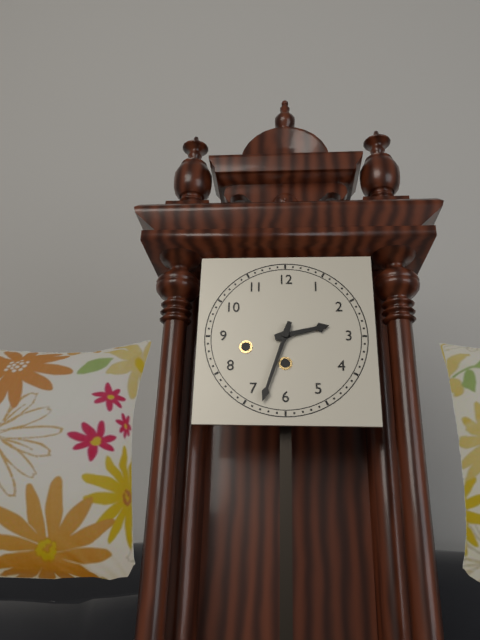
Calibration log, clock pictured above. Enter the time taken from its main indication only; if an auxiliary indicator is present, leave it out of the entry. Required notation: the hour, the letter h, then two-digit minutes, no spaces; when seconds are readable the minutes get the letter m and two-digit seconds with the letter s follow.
2h33
